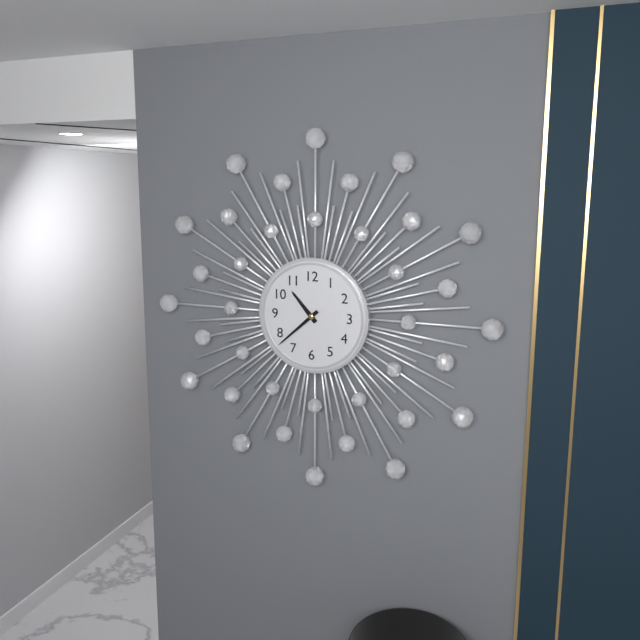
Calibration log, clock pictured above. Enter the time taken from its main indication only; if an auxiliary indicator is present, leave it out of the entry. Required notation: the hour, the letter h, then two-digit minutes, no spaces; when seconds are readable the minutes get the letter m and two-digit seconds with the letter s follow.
10h38
